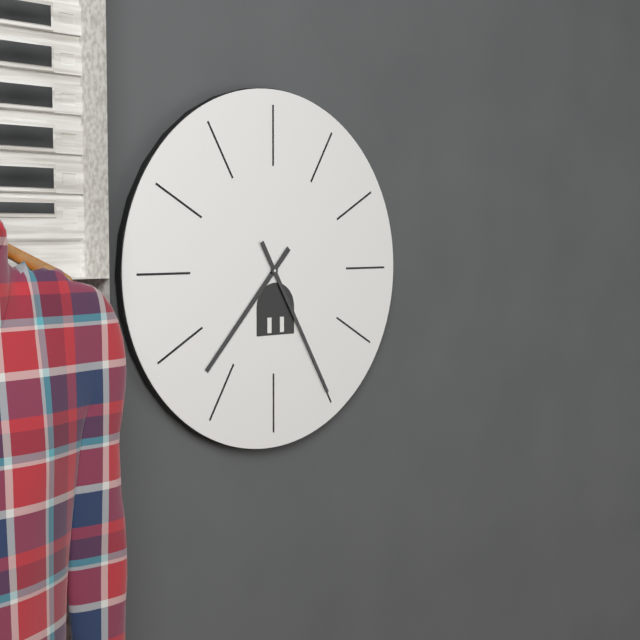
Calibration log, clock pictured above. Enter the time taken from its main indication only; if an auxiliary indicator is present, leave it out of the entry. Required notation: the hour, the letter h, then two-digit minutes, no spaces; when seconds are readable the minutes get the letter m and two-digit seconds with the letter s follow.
7h25
